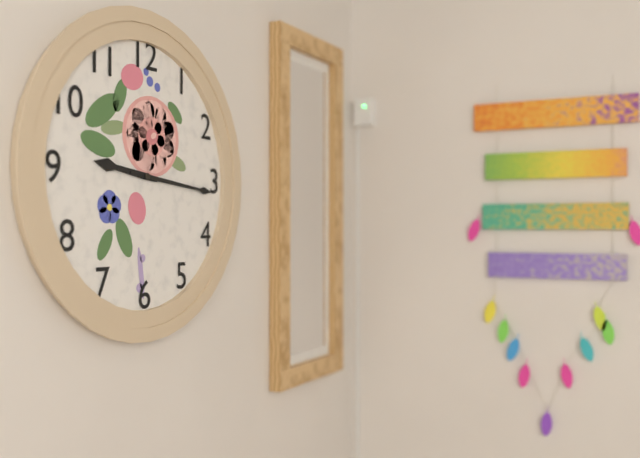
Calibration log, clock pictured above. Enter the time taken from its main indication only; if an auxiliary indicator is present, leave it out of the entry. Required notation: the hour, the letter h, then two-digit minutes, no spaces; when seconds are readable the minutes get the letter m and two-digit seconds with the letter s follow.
9h16
